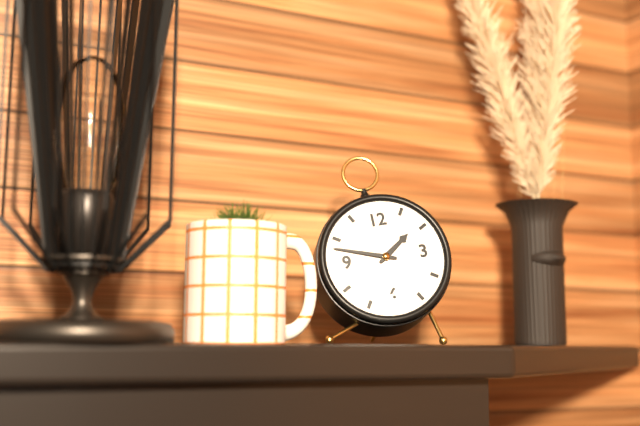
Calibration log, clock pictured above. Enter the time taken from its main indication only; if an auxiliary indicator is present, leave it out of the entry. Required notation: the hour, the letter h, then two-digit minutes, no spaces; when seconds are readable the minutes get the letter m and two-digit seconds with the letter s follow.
1h48
